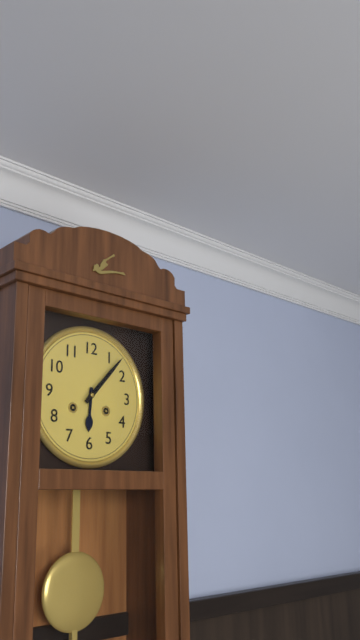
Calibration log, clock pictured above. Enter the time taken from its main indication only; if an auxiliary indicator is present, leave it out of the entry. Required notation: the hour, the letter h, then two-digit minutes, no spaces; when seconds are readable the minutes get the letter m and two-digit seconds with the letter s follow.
6h07
